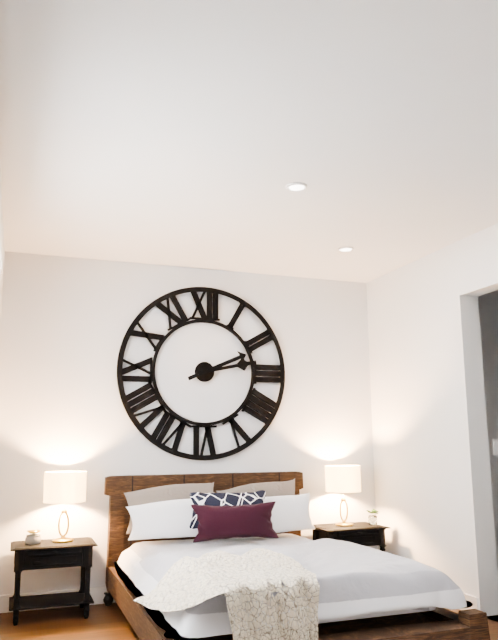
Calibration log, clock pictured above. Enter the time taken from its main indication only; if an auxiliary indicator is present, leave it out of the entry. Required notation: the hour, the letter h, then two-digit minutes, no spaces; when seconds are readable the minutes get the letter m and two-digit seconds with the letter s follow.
2h13
